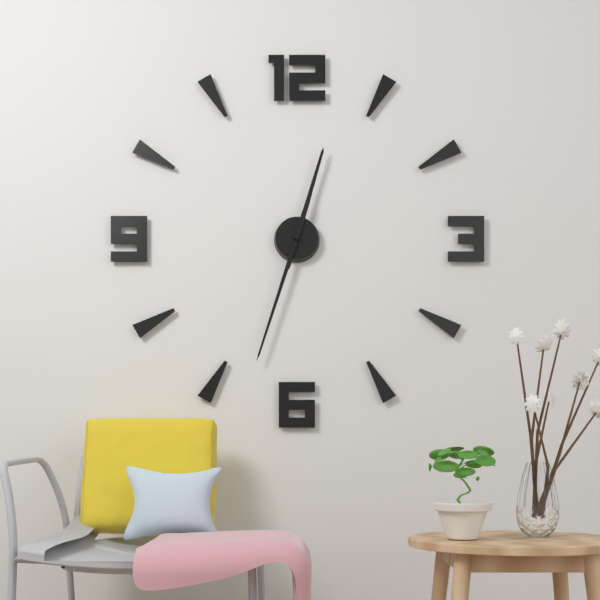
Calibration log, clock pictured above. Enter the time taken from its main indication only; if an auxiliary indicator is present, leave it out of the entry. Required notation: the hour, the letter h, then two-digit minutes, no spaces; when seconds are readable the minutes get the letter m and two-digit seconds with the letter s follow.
12h33
